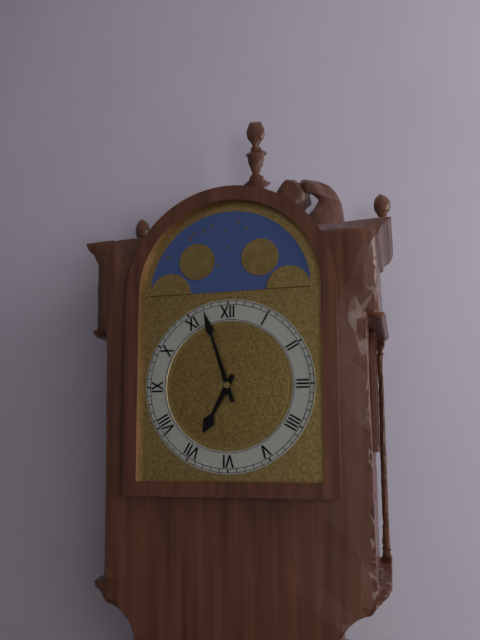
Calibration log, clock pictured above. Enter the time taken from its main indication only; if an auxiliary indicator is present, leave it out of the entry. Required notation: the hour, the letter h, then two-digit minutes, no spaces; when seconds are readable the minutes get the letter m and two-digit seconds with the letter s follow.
6h57
